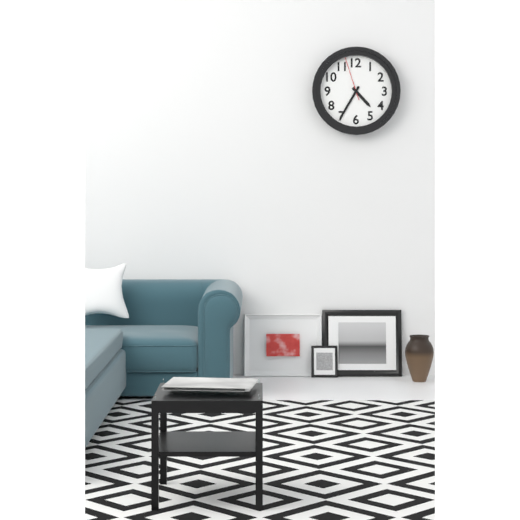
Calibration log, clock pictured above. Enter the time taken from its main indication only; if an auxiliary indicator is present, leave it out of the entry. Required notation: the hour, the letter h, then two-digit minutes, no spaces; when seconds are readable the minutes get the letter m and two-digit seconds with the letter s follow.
4h35
